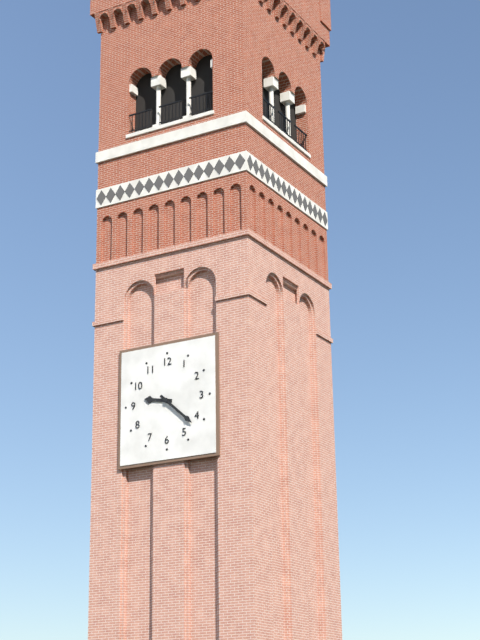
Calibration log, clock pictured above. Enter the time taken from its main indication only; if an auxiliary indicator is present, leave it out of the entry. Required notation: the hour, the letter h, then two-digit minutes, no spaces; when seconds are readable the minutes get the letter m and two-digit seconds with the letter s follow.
9h22
